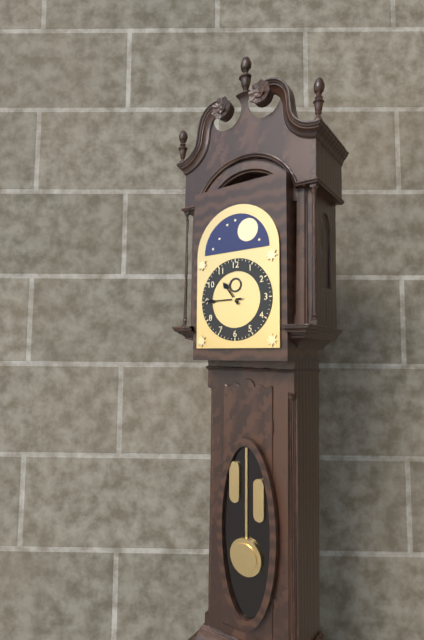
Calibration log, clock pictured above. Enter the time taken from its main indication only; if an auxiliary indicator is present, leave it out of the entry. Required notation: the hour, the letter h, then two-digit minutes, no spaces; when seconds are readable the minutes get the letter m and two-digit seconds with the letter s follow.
10h45
